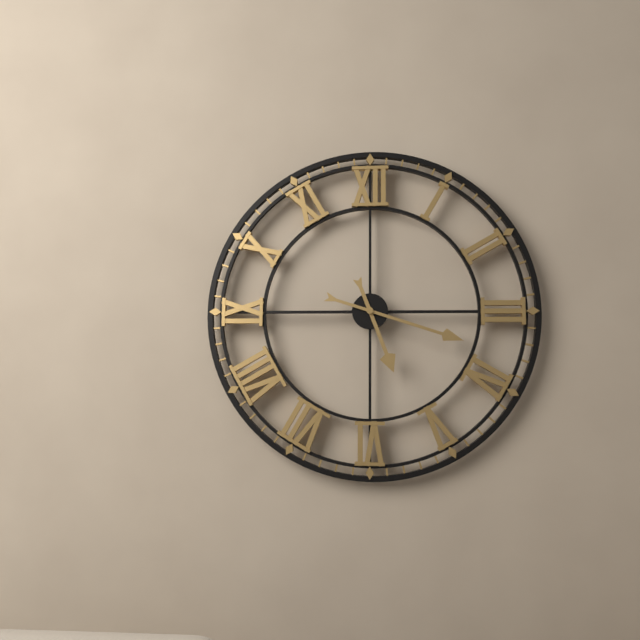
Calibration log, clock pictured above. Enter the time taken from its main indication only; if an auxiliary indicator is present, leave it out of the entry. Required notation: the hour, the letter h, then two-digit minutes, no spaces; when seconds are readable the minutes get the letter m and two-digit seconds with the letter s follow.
5h18
